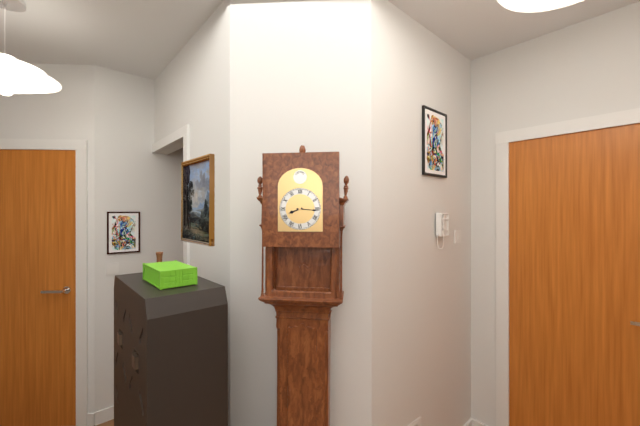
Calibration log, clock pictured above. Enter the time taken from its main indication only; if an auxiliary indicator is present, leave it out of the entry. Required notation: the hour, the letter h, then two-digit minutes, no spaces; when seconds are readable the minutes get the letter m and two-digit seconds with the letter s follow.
8h16
